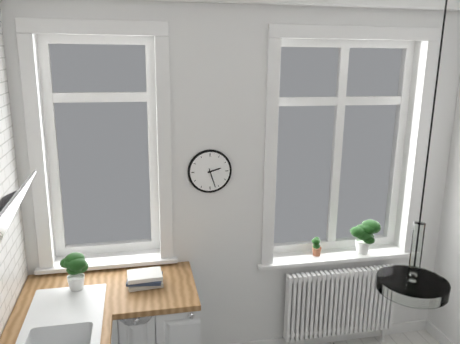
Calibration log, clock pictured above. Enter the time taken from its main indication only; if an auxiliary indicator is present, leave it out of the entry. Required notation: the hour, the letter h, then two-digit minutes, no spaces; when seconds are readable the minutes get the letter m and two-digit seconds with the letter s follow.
2h27
